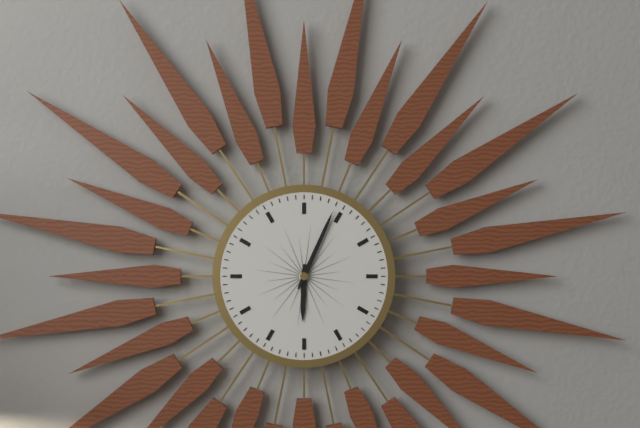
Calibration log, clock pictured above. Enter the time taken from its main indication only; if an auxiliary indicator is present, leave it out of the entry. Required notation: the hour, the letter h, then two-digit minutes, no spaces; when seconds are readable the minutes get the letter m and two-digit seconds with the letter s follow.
6h04
